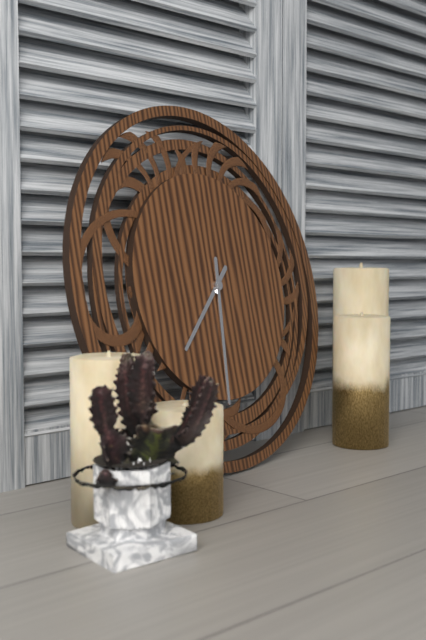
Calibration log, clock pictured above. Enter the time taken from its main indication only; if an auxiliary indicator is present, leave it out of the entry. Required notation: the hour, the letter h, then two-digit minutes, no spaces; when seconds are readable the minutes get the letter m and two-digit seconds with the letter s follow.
7h31
